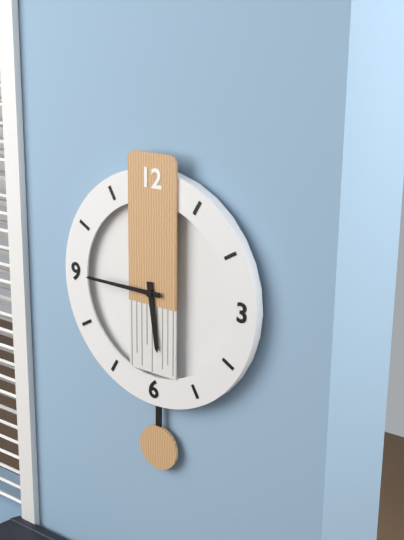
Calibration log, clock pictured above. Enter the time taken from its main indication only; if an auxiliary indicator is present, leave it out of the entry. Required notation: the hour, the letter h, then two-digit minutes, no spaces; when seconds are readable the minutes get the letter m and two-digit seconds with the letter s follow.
5h45
